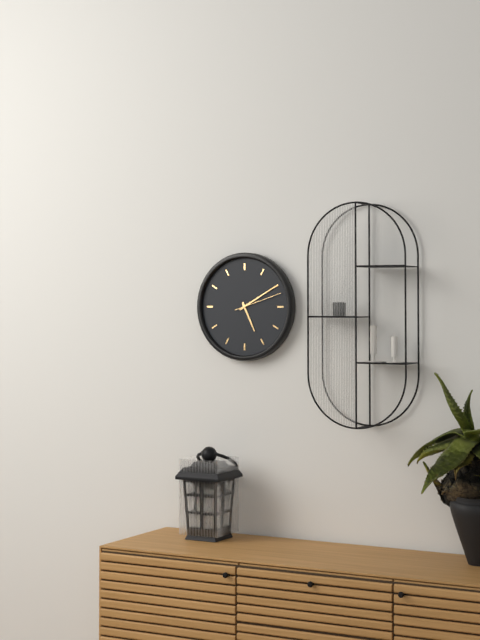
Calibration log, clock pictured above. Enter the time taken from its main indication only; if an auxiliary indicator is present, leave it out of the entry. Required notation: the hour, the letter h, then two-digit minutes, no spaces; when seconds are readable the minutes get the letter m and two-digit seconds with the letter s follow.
5h10
